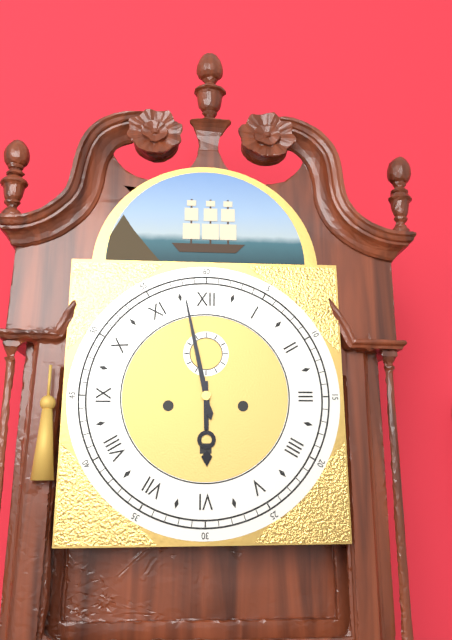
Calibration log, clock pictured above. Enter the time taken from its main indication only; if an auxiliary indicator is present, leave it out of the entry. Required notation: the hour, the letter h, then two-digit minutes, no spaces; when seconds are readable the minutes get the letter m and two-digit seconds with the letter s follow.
5h58
